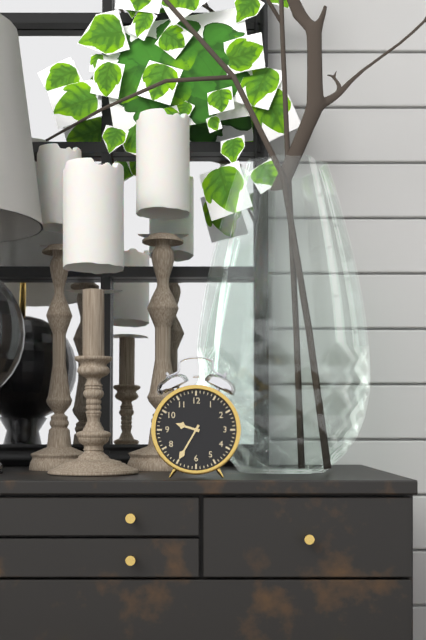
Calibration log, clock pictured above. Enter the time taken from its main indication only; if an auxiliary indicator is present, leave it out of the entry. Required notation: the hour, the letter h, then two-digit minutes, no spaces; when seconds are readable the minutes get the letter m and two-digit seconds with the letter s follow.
9h35
